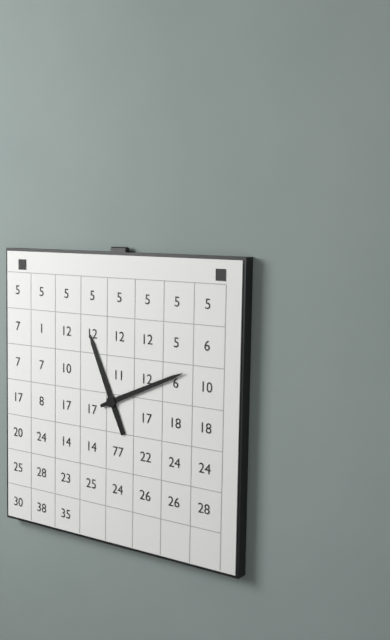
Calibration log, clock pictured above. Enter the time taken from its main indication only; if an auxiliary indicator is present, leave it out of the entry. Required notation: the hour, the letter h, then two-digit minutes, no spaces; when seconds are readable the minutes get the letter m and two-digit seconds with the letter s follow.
11h11
